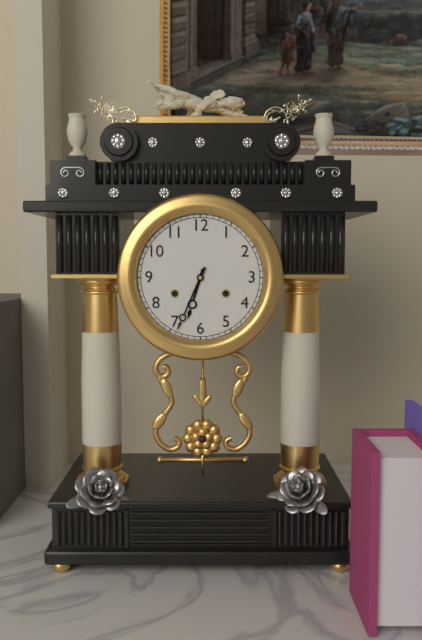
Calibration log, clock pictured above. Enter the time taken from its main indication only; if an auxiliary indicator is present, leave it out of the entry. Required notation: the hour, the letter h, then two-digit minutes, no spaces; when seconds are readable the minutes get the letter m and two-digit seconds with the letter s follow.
6h34
